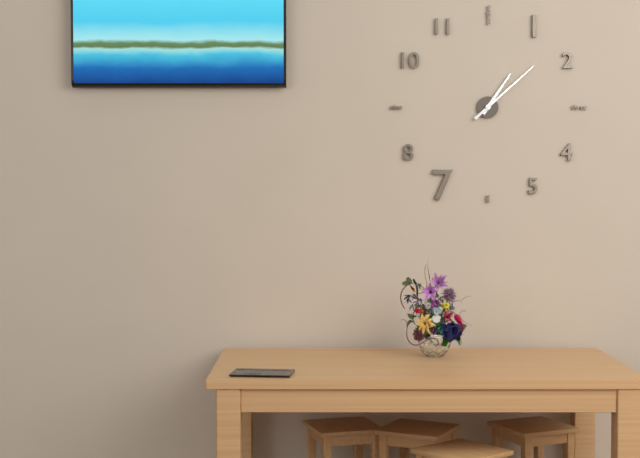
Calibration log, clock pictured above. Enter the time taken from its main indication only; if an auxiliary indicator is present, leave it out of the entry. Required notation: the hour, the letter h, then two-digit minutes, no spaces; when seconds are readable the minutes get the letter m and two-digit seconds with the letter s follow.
1h08
